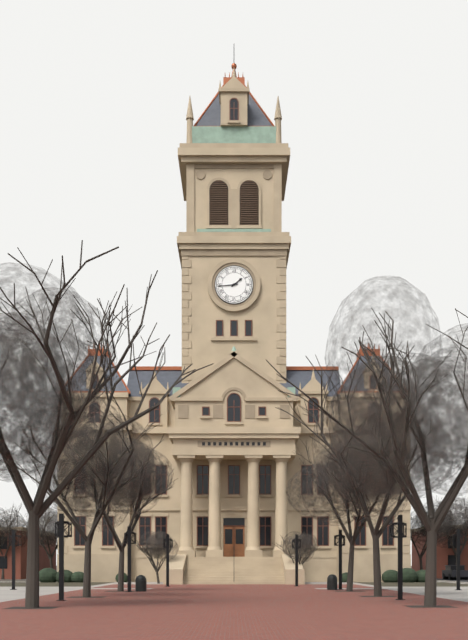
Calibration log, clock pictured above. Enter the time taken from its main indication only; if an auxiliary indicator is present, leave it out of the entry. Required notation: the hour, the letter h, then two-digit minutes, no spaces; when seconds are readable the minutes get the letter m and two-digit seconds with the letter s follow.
1h44
